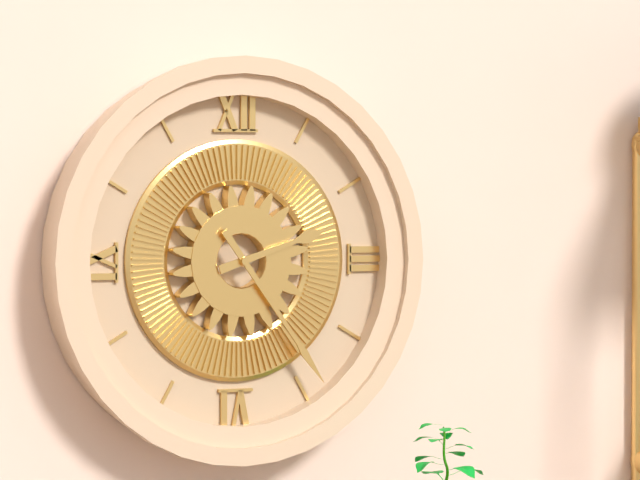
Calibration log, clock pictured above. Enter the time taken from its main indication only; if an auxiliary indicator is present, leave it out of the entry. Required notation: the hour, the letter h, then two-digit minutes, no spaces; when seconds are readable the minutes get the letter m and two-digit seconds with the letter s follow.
2h24
